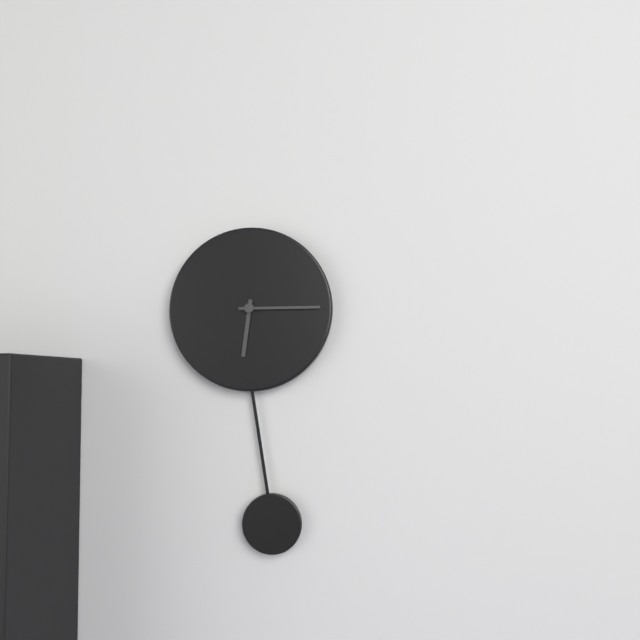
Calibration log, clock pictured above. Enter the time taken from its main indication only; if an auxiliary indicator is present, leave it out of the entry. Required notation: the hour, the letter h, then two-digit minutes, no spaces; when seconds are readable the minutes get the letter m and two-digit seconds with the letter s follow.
6h15
